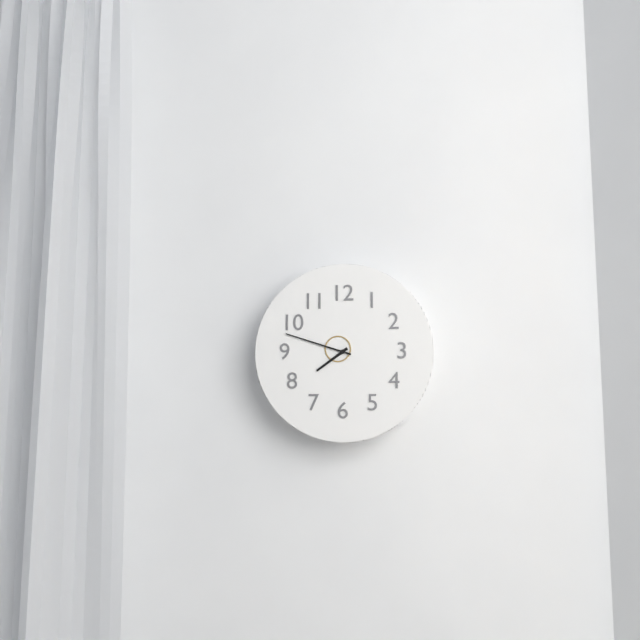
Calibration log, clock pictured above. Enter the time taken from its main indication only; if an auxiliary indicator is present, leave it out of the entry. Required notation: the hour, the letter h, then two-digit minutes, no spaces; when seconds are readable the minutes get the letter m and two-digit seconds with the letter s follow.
7h48
